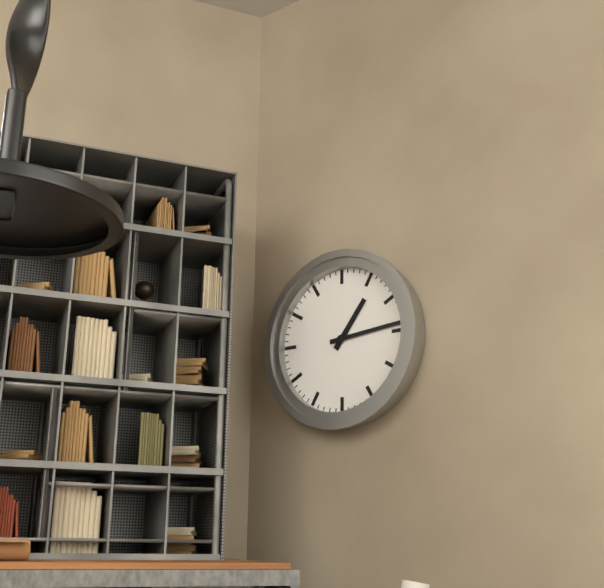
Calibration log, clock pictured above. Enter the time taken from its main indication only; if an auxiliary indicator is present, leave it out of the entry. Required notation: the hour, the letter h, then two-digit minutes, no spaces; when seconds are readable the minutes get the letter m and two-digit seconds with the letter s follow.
1h14
